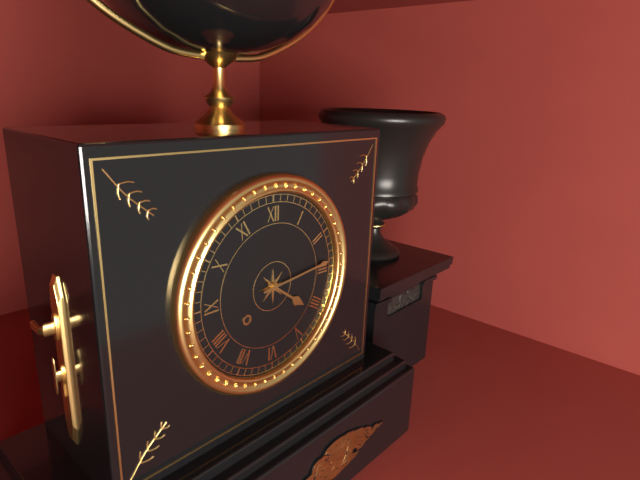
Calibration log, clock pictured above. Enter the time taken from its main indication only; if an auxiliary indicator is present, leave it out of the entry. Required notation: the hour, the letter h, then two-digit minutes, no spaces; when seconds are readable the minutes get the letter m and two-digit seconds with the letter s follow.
4h14
